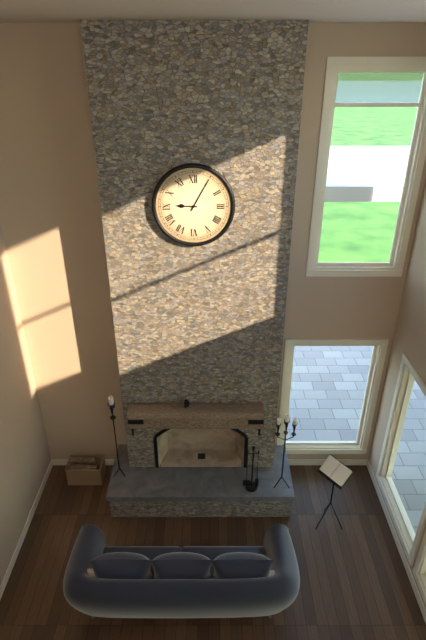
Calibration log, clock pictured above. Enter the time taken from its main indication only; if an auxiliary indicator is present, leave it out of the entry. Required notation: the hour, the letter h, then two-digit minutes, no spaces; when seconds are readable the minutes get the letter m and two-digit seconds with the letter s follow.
9h05
